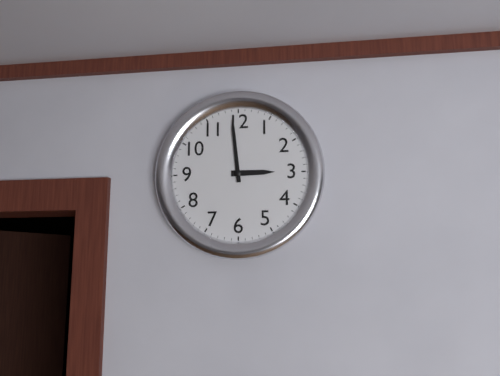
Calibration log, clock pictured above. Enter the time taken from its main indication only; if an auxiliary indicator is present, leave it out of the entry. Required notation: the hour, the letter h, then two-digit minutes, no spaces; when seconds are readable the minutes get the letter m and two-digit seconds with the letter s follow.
2h59
